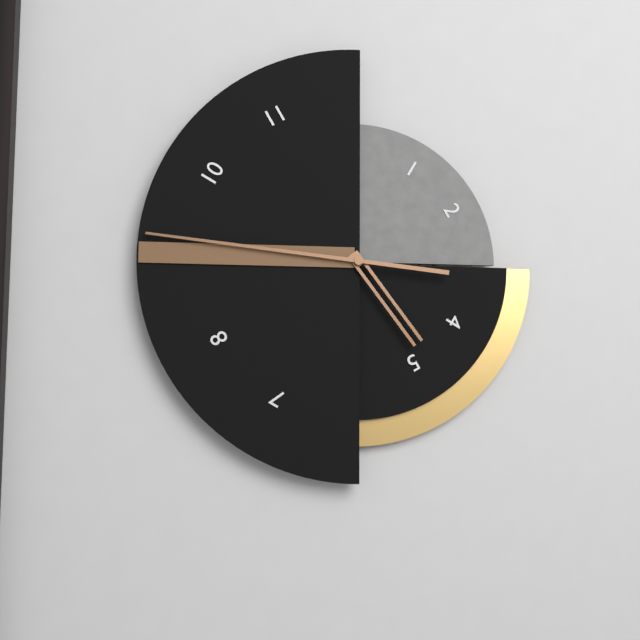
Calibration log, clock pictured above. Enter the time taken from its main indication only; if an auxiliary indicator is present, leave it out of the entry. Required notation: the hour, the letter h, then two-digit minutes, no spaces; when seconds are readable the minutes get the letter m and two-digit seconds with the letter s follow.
4h46
